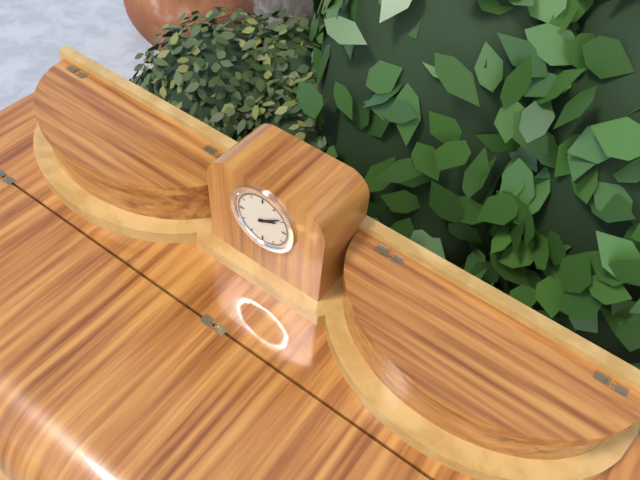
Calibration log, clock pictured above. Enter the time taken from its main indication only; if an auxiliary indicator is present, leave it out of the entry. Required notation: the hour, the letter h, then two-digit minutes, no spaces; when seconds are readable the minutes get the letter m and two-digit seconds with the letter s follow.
2h09
